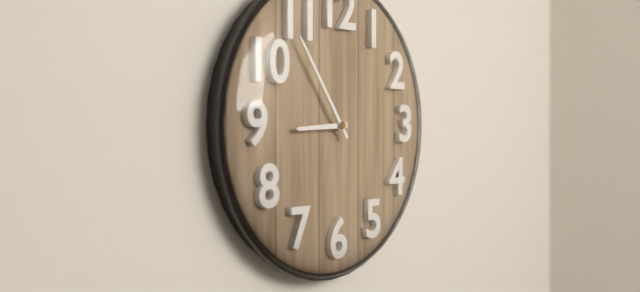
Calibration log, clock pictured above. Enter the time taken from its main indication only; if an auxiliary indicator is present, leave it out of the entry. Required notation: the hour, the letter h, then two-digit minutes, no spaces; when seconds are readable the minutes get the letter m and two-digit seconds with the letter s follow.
8h54
